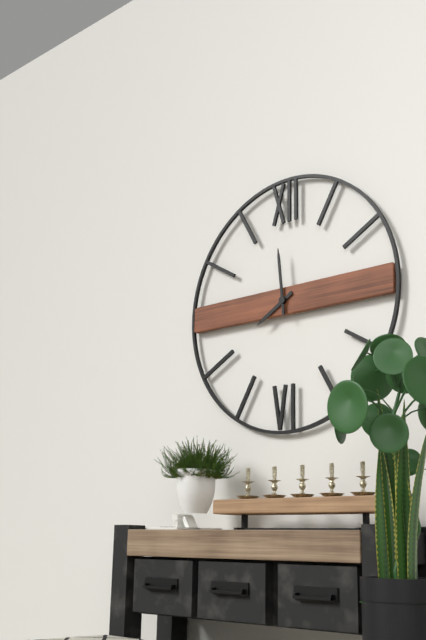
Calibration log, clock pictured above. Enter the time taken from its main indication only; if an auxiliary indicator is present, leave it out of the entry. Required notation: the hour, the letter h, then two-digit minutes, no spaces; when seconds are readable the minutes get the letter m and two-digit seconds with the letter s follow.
7h59
